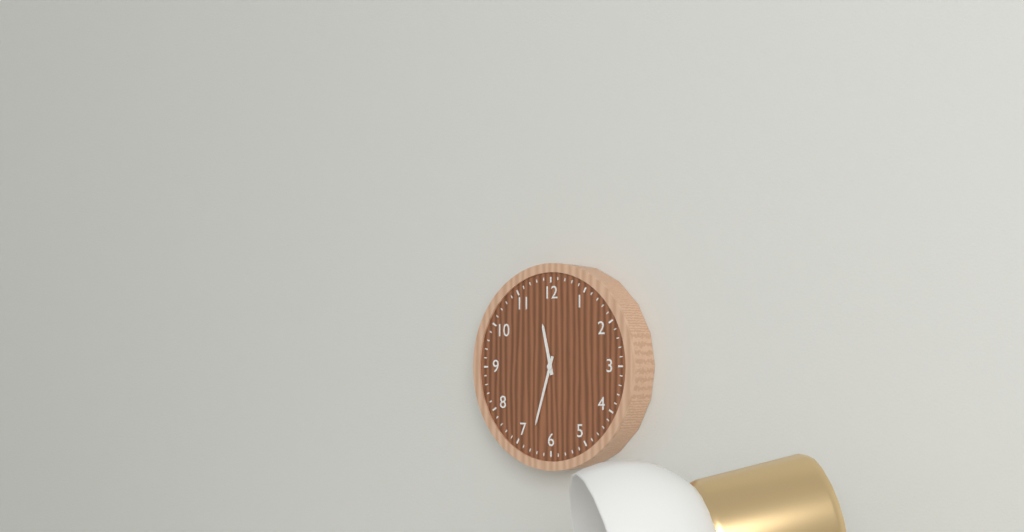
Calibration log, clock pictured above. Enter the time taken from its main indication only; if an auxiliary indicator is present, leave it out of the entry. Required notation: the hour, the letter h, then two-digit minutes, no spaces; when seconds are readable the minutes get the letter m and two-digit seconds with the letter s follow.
11h33
